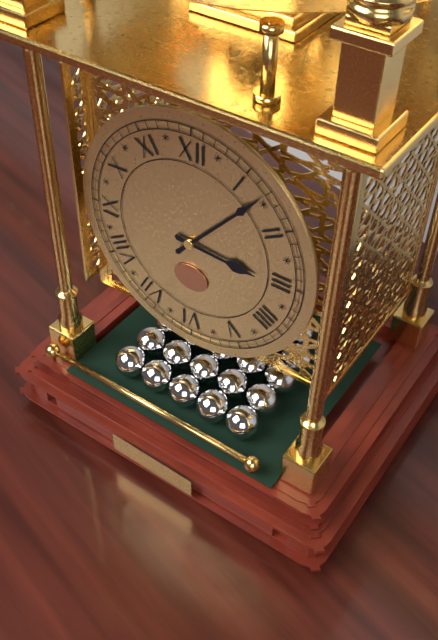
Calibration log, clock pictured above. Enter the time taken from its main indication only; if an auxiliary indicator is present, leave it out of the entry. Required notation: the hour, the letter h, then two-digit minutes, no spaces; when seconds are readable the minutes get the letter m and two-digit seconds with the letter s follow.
3h07
